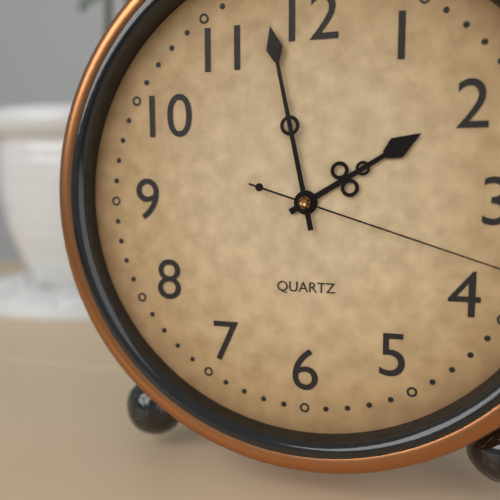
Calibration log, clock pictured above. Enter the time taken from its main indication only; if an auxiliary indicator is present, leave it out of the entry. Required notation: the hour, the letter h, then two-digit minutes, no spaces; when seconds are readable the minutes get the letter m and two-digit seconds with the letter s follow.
1h58
